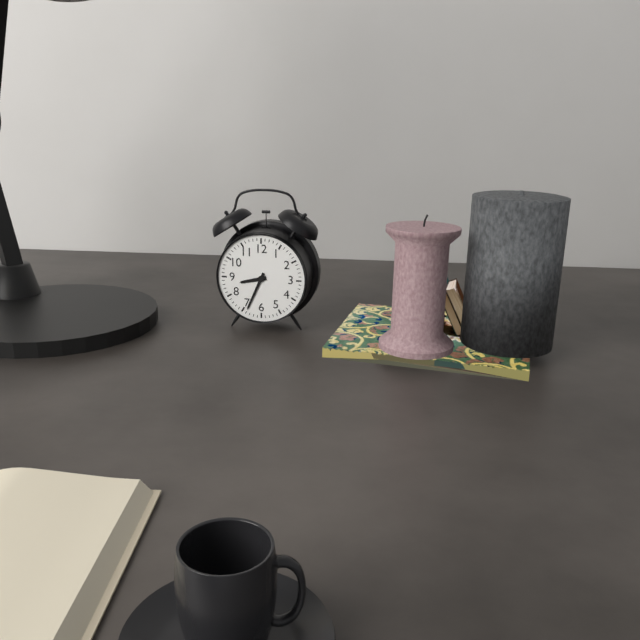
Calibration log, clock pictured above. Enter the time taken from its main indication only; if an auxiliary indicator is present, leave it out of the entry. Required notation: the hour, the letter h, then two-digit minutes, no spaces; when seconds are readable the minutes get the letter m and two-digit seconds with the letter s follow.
8h34
